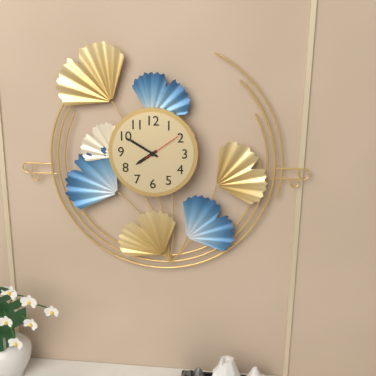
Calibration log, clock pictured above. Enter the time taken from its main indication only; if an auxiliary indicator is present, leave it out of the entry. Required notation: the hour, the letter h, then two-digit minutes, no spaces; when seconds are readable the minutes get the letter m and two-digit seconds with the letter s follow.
7h50
